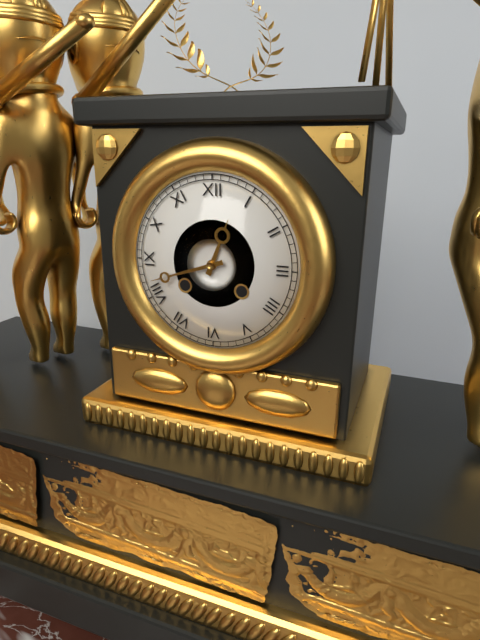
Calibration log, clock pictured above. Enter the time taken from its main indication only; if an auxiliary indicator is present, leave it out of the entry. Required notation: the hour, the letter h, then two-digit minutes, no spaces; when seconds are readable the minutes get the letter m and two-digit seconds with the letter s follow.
12h42
